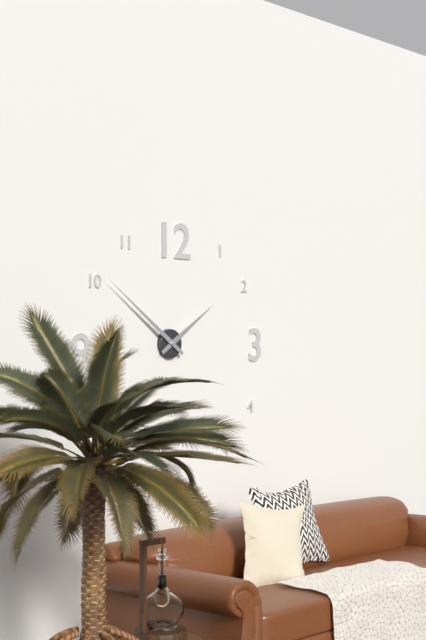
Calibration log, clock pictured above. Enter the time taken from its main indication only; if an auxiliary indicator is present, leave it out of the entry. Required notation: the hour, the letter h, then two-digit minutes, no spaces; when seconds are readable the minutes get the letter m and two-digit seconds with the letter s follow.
1h51
